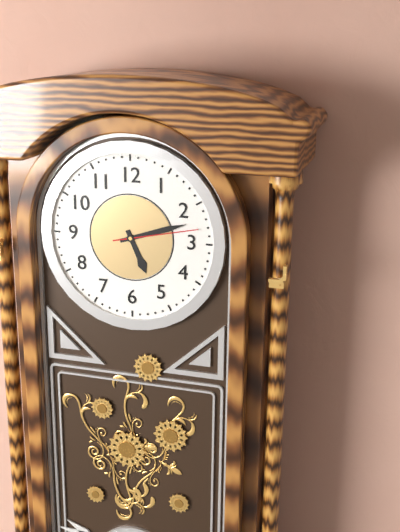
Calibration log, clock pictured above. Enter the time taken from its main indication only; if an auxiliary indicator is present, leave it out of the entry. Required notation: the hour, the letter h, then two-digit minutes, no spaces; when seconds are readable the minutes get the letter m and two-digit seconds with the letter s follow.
5h12
